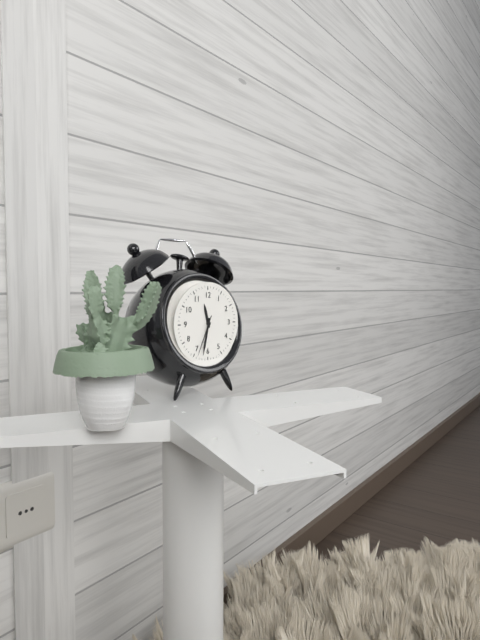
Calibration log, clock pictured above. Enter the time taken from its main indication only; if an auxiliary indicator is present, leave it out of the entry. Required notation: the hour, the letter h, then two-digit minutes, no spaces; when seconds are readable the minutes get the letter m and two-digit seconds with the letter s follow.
11h32
